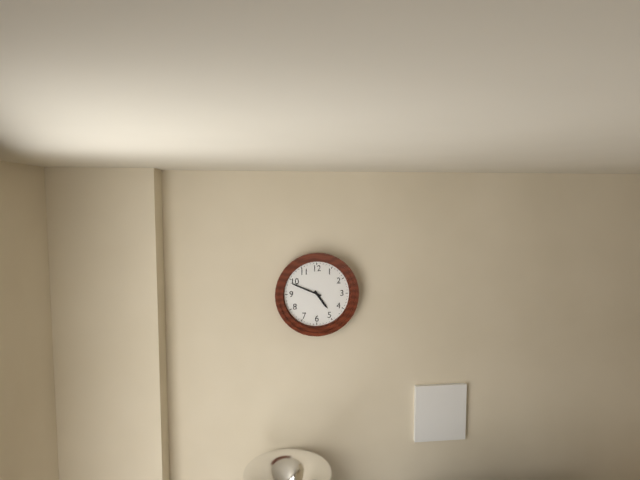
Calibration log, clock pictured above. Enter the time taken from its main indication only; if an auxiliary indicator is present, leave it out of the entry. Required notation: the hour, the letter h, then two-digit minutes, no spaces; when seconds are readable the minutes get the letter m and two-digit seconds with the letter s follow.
4h49
